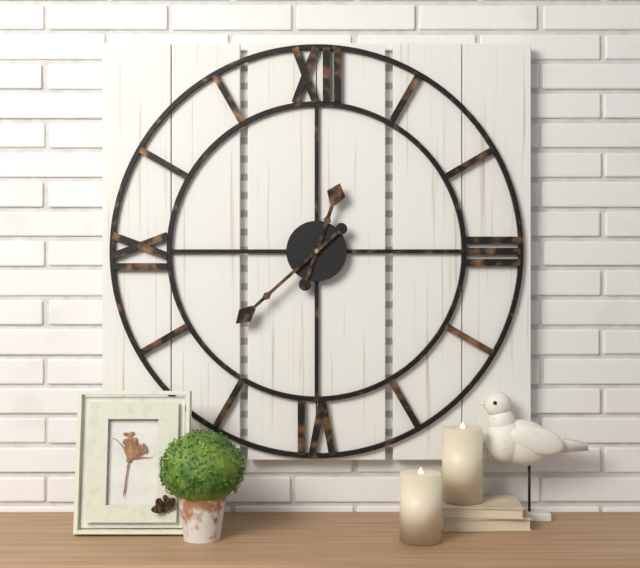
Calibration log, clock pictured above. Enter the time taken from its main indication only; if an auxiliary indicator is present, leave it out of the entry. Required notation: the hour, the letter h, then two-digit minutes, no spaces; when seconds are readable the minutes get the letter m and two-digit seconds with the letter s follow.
12h38
